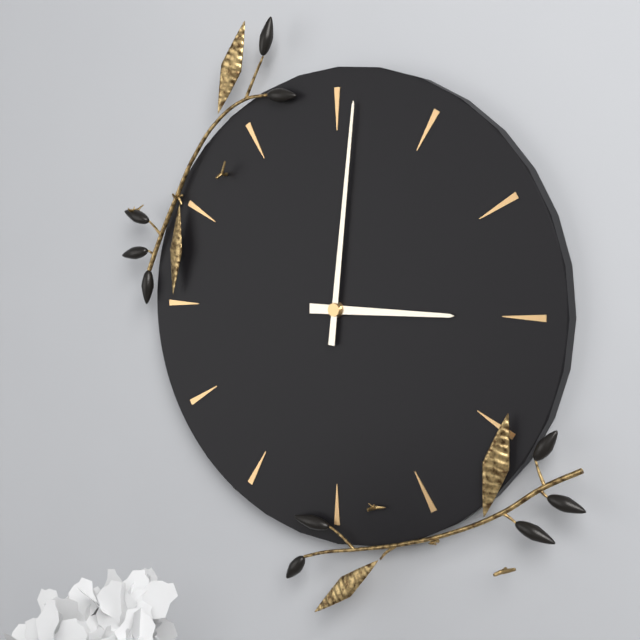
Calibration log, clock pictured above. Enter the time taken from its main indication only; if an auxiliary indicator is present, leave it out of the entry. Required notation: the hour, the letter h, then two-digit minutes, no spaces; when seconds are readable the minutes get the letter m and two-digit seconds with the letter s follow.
3h01
